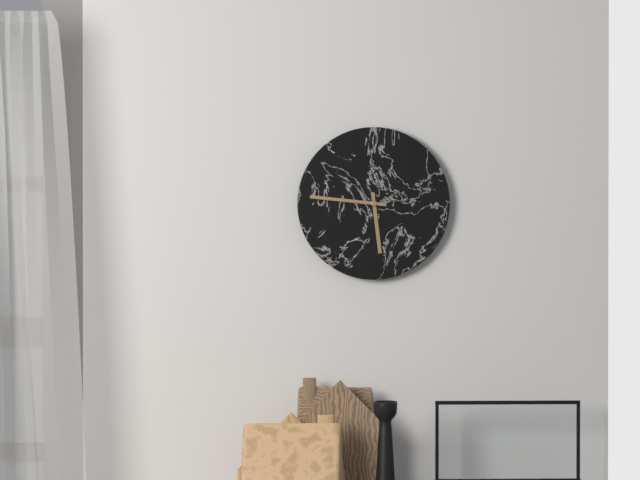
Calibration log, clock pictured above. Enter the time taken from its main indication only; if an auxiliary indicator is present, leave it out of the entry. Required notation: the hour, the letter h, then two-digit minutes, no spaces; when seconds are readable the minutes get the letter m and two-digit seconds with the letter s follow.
5h46
